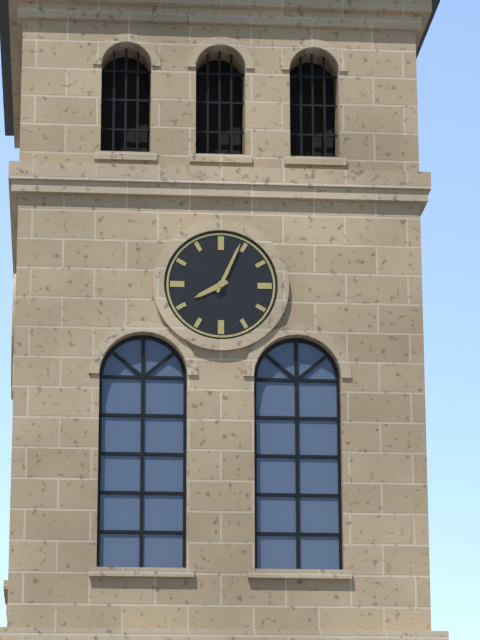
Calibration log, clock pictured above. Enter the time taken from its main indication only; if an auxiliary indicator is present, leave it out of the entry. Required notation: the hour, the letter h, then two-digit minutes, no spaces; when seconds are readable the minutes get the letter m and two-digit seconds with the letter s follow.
8h04
